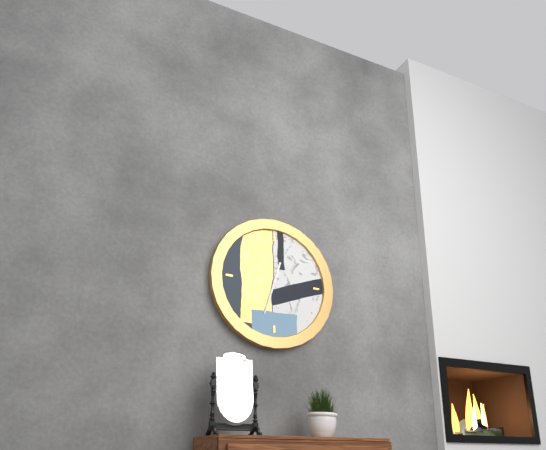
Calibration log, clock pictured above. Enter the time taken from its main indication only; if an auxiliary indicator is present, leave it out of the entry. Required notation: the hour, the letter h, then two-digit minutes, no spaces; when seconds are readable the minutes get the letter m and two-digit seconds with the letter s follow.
12h33
